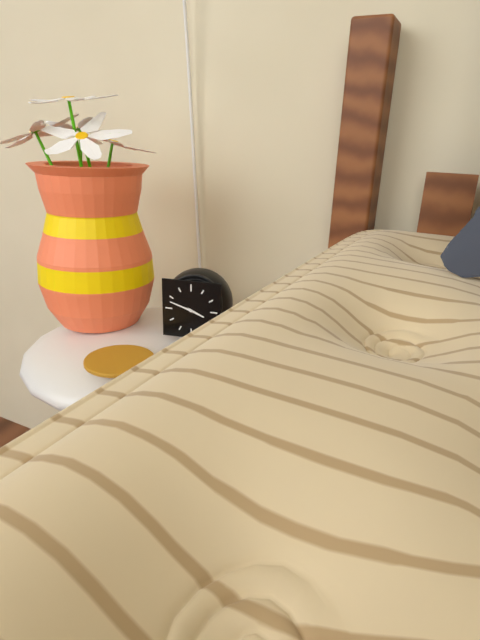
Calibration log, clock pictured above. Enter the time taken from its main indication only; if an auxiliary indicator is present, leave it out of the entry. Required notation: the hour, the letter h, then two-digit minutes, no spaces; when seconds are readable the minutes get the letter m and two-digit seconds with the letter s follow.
3h48
